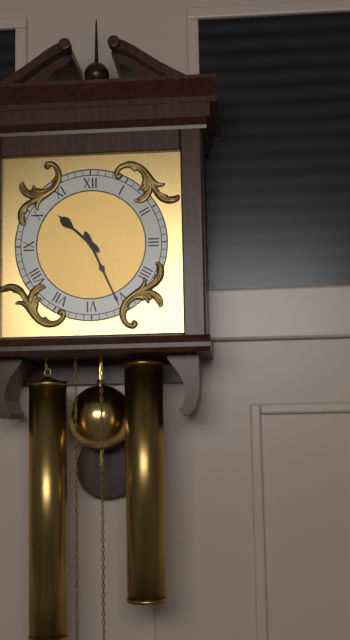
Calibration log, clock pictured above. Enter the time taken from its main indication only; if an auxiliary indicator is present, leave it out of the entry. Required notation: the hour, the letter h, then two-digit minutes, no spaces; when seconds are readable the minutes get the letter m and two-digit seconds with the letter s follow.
10h26
